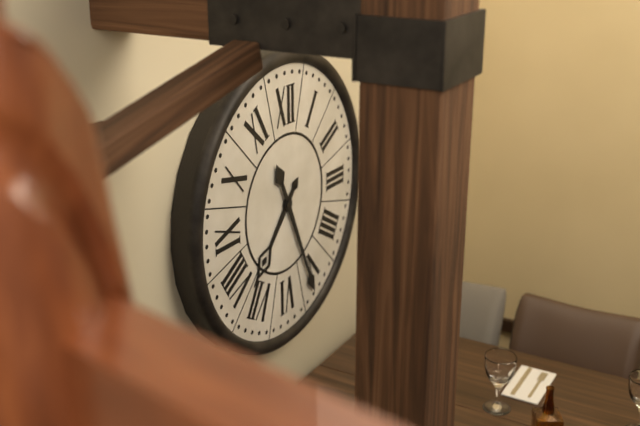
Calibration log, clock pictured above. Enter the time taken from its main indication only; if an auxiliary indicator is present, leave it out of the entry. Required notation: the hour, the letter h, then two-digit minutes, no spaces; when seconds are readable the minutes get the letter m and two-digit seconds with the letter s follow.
7h26
